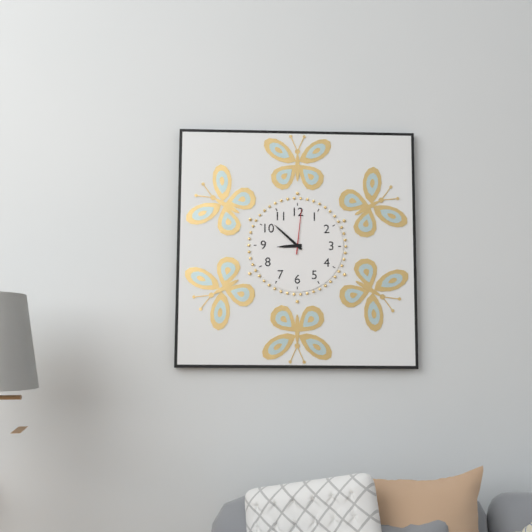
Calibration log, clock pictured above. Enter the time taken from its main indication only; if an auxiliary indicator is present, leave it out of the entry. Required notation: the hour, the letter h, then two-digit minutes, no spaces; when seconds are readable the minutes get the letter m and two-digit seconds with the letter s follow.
8h52
